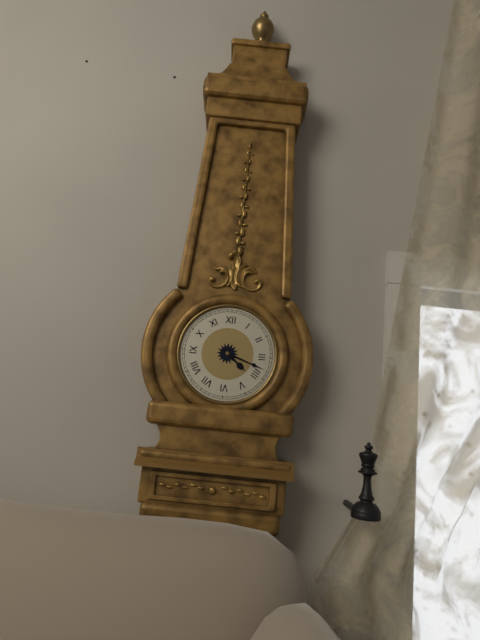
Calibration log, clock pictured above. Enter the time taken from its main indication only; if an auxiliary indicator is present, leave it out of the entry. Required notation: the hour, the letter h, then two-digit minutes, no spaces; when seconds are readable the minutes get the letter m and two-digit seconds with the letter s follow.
4h18
